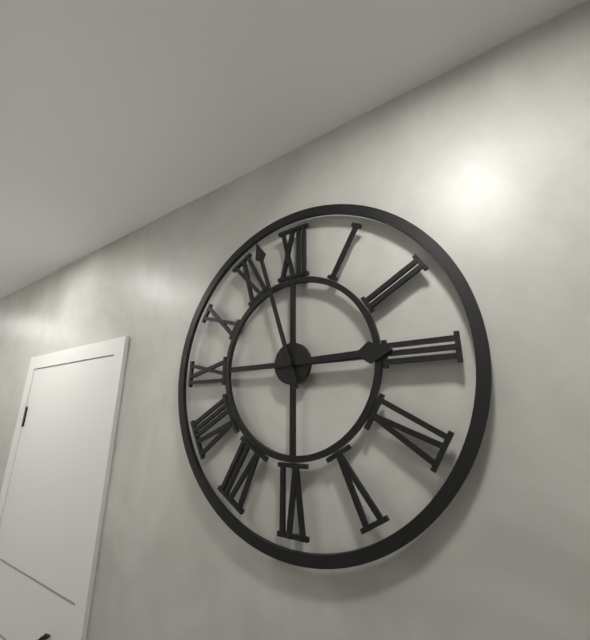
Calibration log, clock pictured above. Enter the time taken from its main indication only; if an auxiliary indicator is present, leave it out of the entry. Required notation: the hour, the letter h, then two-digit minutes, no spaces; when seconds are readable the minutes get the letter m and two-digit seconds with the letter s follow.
2h57
